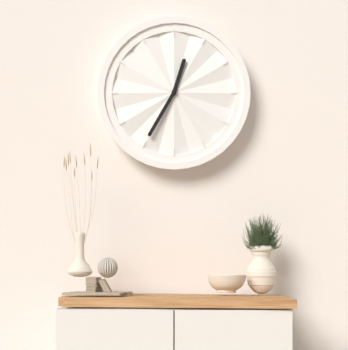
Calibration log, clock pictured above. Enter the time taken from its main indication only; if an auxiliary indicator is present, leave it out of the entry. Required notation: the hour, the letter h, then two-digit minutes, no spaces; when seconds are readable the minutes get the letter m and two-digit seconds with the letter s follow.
12h35
